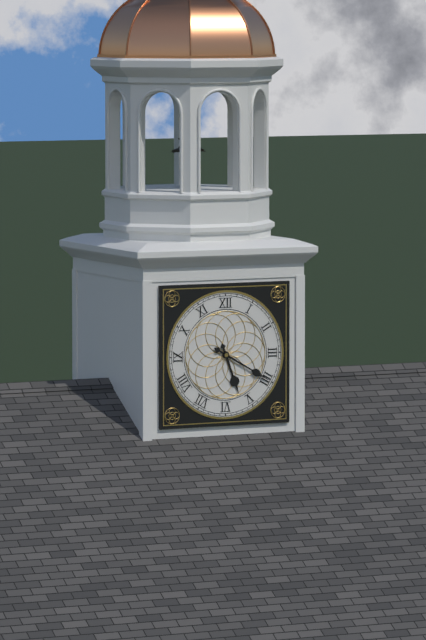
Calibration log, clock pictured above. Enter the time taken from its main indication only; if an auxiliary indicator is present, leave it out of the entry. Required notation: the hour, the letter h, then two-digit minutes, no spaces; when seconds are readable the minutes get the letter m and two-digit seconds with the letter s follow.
5h20
